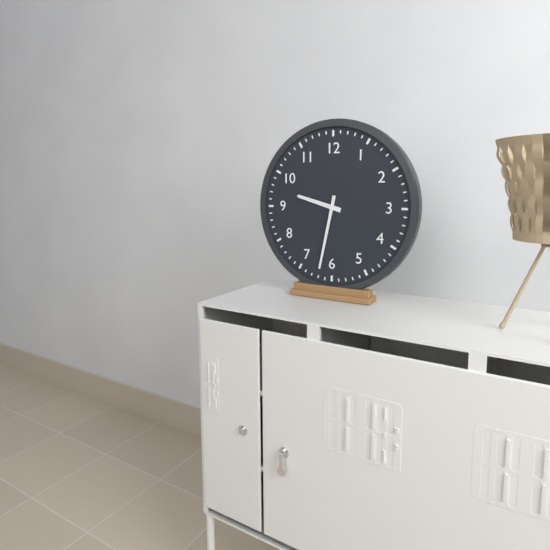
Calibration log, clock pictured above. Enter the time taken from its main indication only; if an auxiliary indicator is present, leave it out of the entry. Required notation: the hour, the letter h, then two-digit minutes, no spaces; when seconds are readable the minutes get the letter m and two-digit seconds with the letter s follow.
9h32
